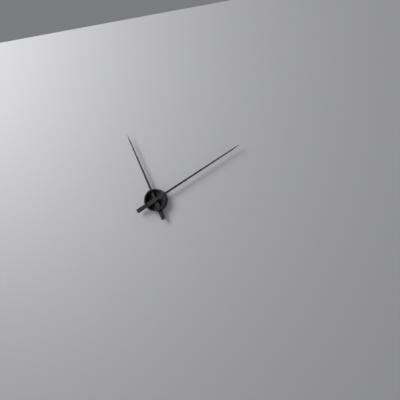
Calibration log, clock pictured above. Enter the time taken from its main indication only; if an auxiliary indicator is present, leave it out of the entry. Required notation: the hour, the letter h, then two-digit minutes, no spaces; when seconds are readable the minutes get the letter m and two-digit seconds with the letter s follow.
11h10
